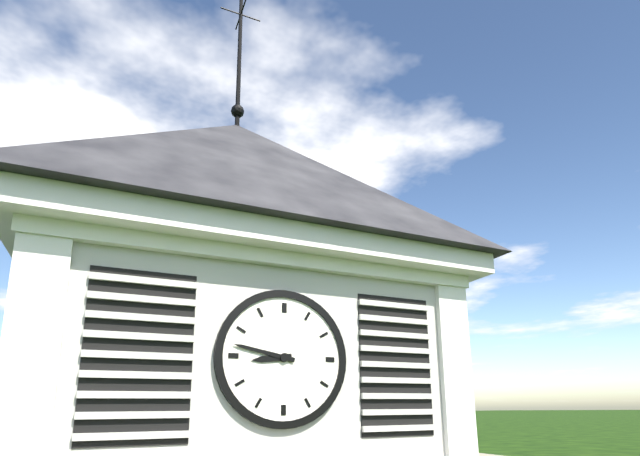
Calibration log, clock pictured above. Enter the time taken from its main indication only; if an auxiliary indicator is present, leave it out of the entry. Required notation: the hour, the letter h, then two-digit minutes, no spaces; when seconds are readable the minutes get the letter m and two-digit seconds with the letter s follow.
8h47
